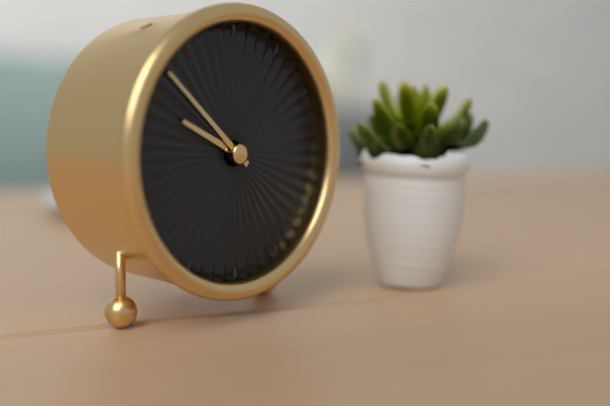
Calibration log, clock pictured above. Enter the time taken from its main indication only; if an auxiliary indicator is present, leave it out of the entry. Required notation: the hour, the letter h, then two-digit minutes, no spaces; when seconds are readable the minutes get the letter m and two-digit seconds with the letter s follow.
9h52
